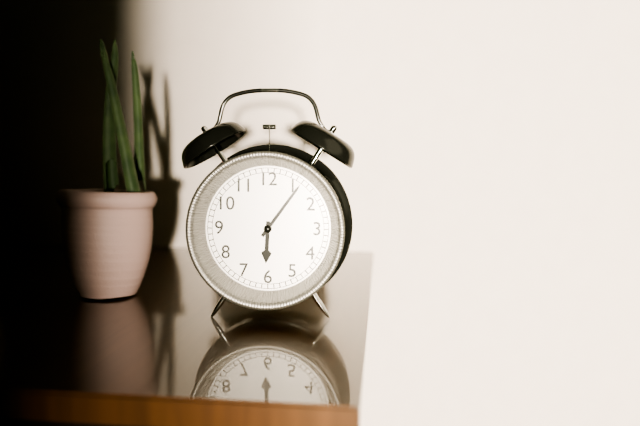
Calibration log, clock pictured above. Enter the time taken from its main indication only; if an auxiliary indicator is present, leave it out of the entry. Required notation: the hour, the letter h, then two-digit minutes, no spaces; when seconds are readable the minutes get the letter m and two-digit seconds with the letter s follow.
6h06
